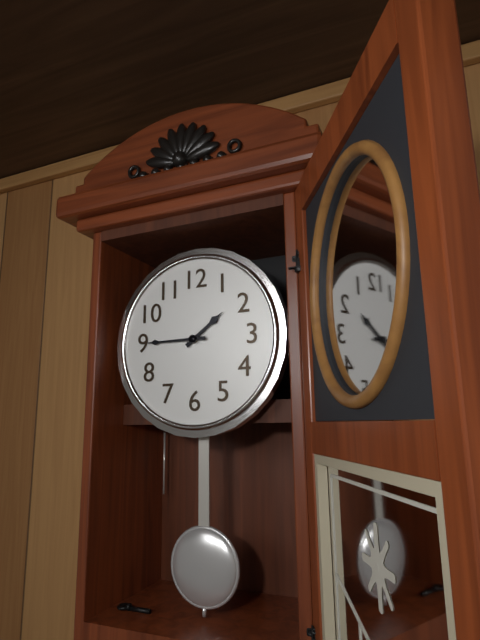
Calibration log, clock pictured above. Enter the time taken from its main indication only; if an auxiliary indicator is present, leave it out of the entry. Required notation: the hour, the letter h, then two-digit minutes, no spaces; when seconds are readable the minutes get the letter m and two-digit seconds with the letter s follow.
1h45
